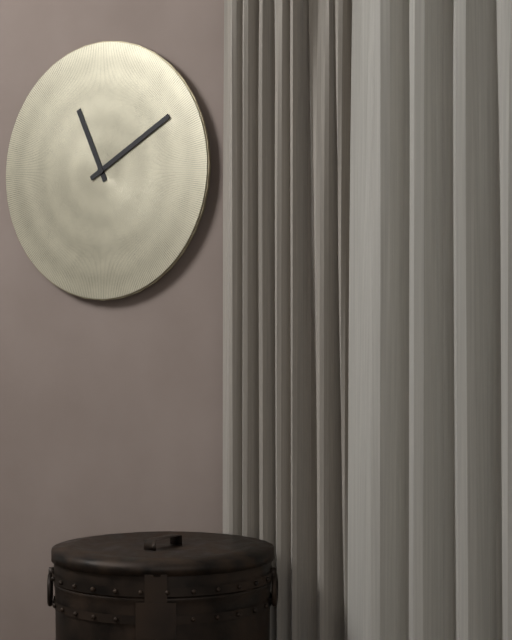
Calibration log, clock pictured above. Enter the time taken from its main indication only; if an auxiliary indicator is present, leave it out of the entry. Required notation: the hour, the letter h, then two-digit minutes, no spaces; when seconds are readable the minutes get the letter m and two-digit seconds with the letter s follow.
11h10
